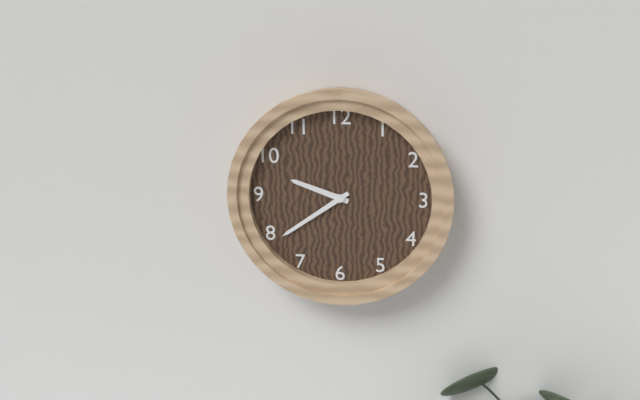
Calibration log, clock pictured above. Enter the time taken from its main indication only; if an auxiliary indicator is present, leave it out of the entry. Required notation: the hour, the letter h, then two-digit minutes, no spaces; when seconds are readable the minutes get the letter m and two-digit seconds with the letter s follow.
9h39
